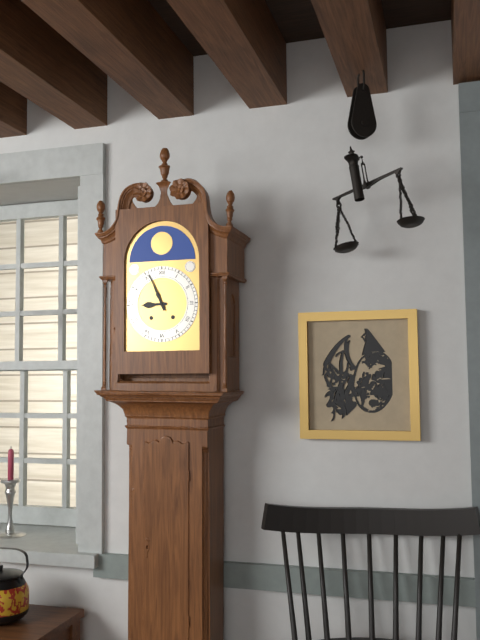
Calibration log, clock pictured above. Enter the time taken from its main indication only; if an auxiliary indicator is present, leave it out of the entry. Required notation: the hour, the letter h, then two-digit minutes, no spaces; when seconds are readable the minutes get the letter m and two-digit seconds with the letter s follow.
8h56
